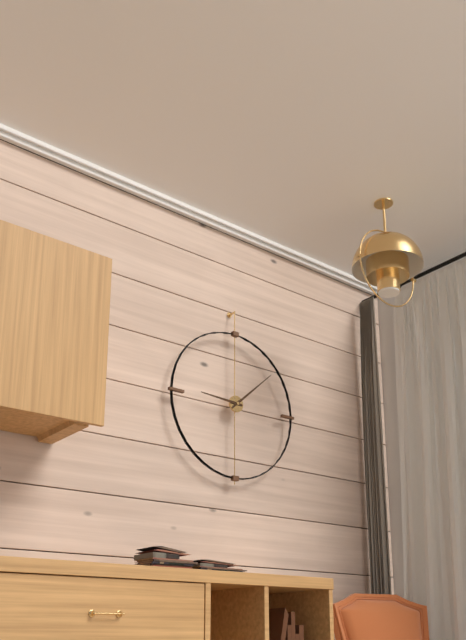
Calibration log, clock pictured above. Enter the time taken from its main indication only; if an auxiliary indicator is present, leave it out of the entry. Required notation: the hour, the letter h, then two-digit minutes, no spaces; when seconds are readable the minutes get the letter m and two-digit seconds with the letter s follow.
9h08
